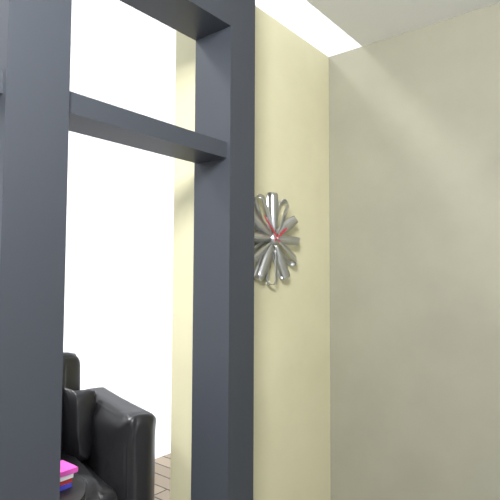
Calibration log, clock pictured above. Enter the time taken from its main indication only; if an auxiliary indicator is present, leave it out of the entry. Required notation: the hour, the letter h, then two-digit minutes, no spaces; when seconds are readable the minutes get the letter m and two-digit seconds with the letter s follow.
1h52
